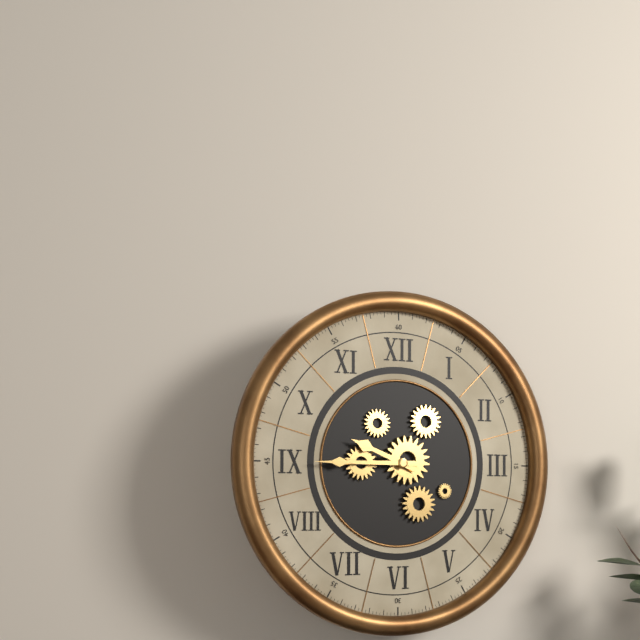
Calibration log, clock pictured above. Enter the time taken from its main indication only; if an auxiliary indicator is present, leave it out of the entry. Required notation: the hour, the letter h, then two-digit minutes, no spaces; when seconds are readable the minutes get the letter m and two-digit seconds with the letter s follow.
9h45
